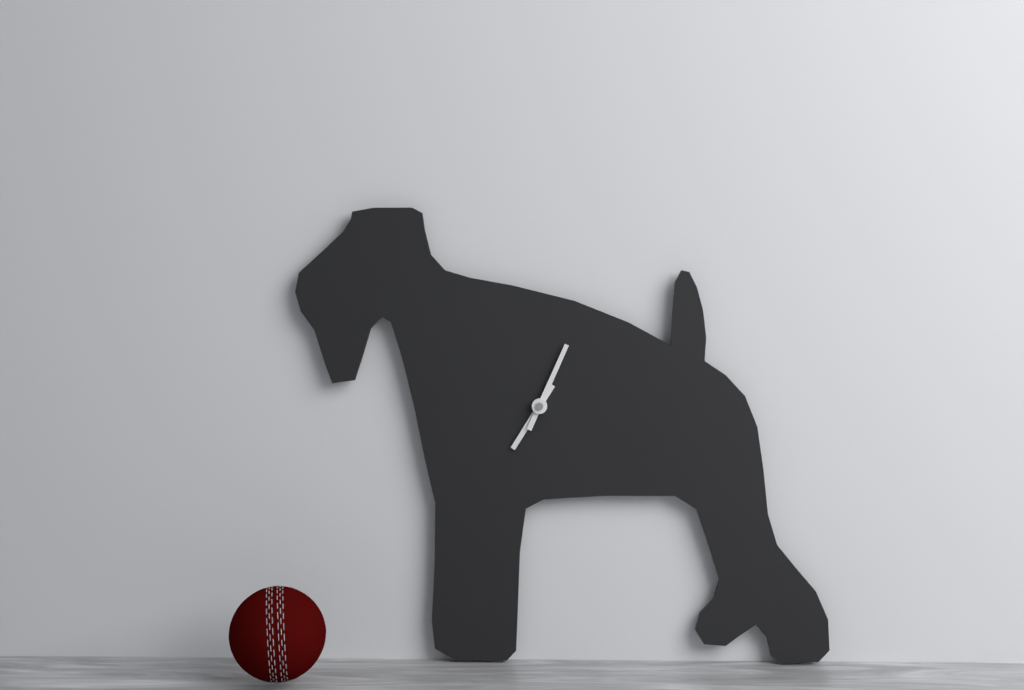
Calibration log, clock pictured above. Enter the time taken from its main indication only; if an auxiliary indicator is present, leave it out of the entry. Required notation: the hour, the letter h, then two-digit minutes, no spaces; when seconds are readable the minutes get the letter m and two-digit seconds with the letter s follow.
7h04
